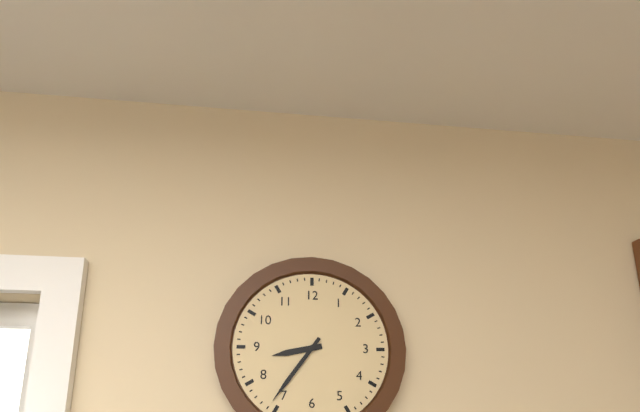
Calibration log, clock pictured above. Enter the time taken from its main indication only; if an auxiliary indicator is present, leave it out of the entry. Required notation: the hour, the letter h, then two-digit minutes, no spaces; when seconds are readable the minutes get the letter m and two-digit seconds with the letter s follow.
8h36
